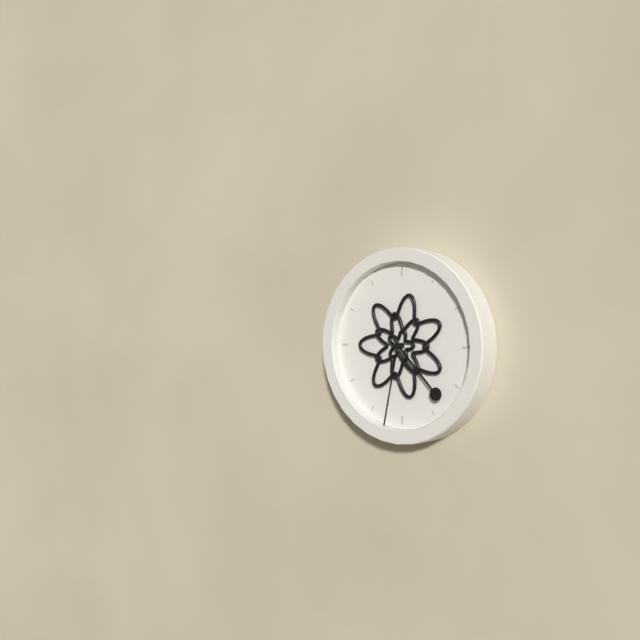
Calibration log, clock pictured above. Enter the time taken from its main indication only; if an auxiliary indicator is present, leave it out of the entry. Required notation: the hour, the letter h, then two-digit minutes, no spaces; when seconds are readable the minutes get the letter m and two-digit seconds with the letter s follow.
4h32
